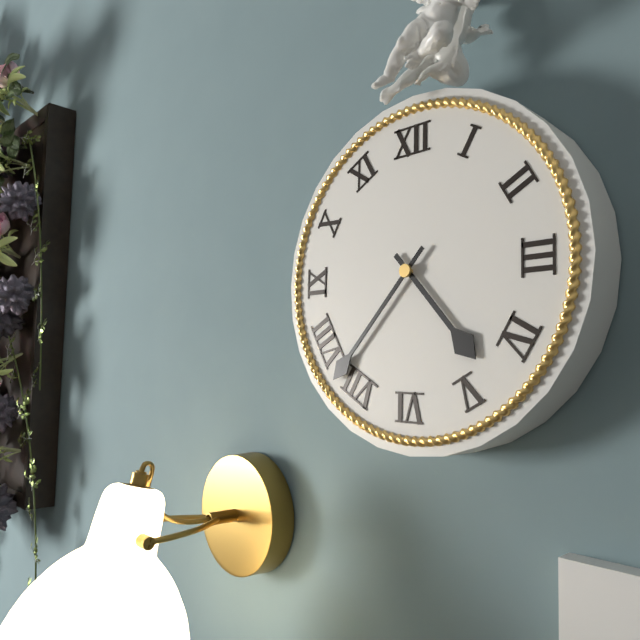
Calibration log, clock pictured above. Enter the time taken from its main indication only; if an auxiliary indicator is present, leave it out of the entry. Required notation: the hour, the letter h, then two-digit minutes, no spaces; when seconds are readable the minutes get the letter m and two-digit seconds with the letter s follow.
4h37
